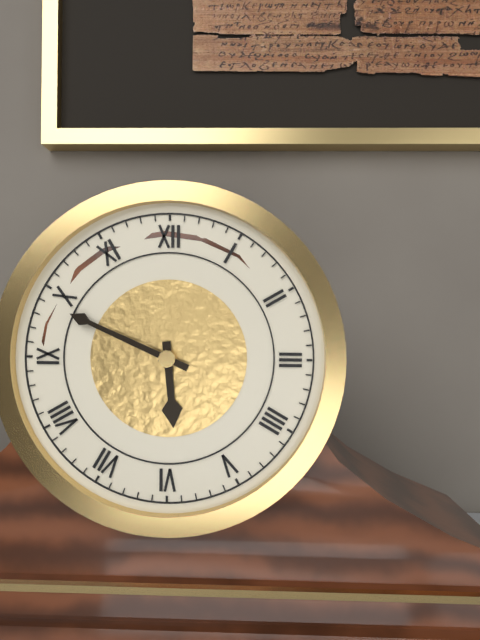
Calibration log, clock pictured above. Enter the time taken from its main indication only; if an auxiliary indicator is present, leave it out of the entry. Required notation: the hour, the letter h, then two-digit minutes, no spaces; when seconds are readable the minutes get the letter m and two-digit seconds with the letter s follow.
5h49
